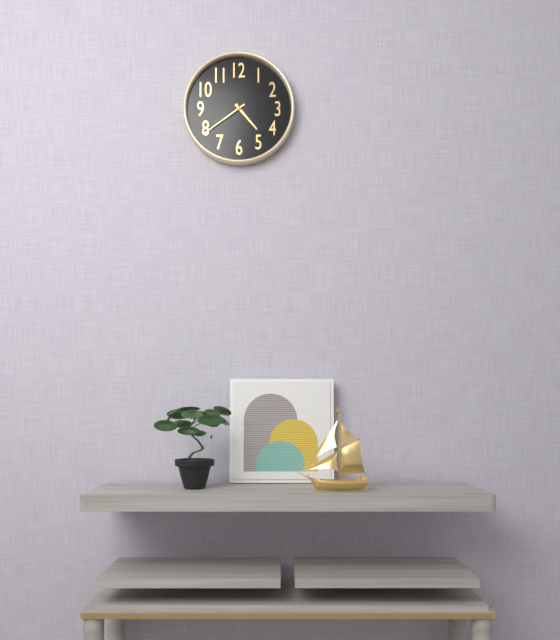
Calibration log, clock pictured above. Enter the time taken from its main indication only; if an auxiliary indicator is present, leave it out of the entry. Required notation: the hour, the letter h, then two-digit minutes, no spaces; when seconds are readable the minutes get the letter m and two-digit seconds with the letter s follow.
4h39
